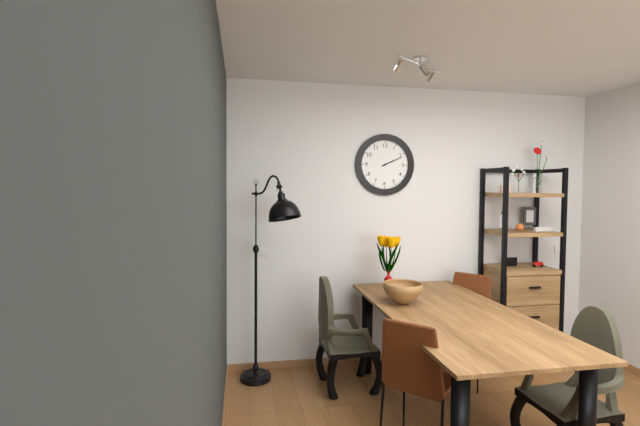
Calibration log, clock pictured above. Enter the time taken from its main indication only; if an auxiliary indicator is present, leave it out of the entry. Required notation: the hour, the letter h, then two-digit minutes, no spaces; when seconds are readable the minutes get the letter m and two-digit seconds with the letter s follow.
2h11
